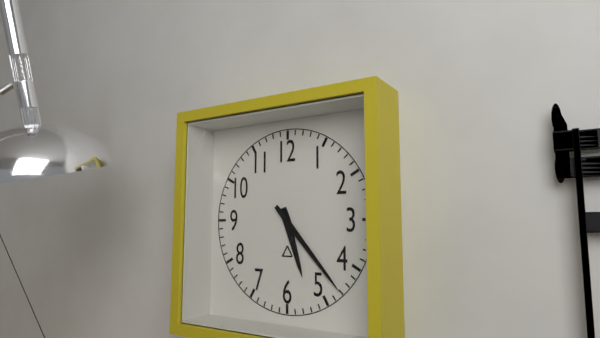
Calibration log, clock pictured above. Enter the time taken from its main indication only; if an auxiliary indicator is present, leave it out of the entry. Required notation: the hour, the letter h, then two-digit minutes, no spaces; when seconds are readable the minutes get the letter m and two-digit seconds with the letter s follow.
5h23
